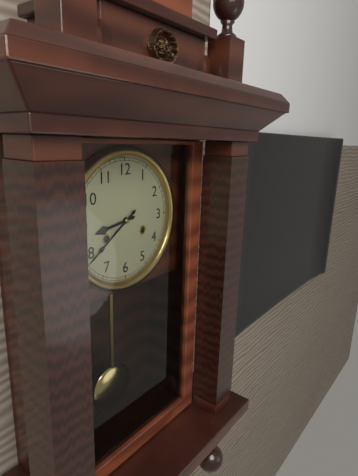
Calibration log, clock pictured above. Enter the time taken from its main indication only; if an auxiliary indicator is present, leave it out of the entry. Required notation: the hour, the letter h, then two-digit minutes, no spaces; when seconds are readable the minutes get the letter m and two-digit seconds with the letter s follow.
8h39
